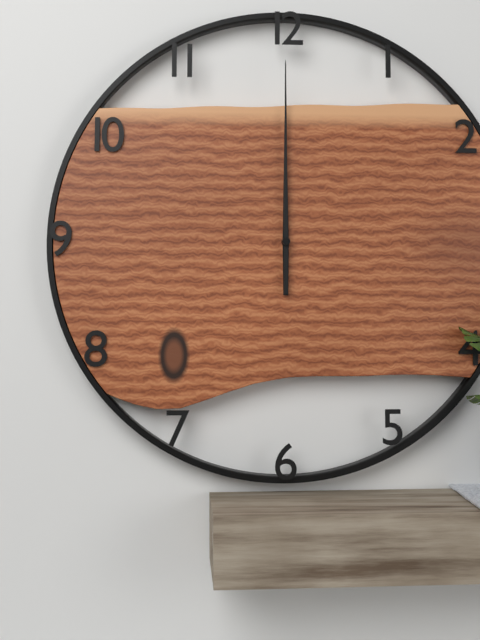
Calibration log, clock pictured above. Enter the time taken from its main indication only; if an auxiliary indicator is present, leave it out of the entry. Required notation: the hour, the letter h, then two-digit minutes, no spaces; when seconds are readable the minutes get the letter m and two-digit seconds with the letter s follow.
12h00
